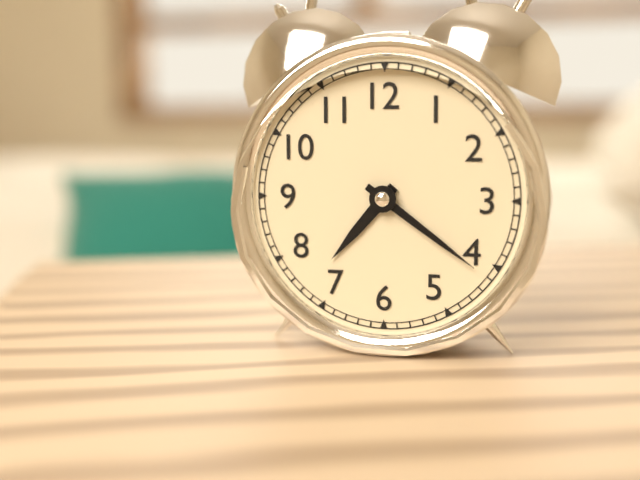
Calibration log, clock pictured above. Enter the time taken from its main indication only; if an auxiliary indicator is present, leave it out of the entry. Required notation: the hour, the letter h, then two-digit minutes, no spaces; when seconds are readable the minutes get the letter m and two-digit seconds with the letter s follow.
7h21
